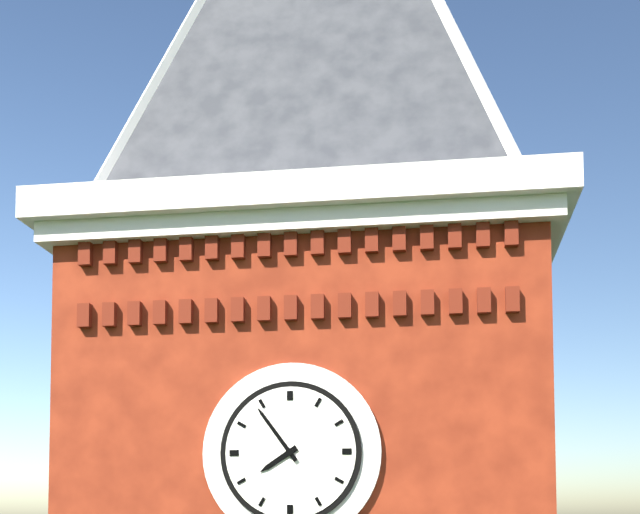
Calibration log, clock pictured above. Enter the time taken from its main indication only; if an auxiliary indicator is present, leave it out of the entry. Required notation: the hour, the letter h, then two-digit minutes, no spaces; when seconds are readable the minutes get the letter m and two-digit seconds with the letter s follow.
7h54
